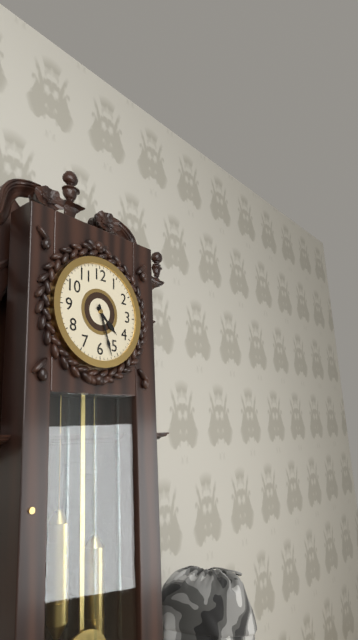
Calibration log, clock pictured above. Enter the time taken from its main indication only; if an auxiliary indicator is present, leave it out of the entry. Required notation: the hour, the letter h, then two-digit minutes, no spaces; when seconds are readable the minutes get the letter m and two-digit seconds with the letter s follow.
4h27
